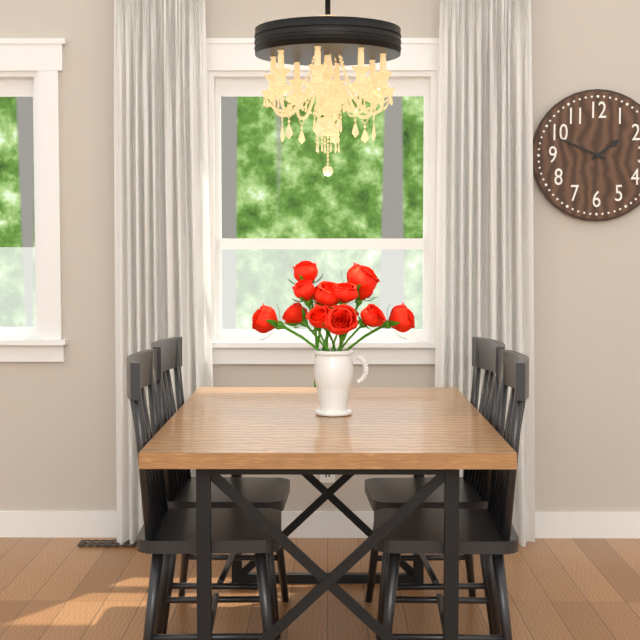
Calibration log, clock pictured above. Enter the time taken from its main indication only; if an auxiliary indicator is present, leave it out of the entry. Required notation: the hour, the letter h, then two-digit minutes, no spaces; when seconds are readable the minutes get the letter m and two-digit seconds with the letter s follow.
1h49
